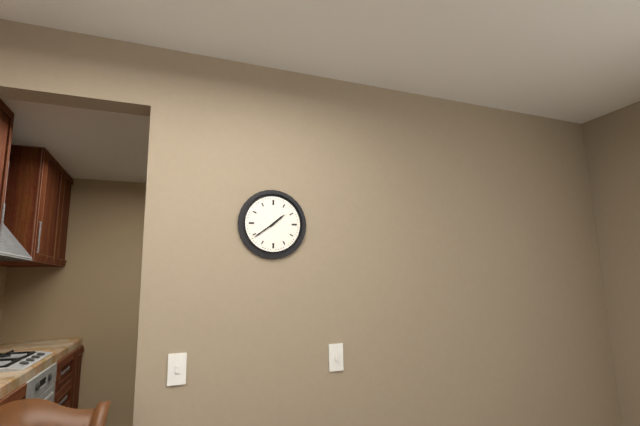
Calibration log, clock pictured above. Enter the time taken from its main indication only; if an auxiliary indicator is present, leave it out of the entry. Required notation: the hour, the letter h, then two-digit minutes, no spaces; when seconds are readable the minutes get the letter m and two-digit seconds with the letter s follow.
1h39
